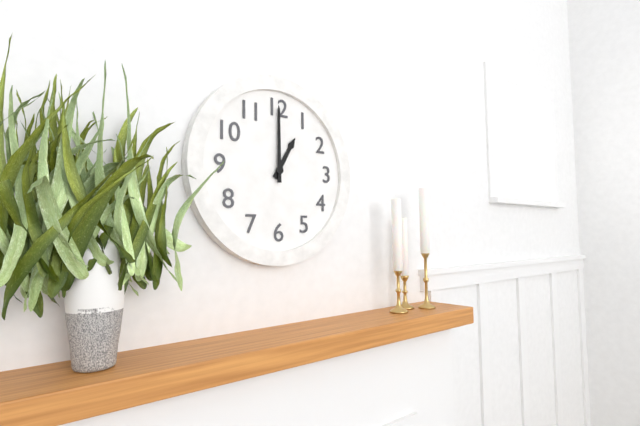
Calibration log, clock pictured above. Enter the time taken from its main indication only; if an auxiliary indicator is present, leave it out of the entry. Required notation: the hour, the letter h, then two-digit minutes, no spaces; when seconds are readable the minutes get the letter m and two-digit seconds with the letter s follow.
1h00
